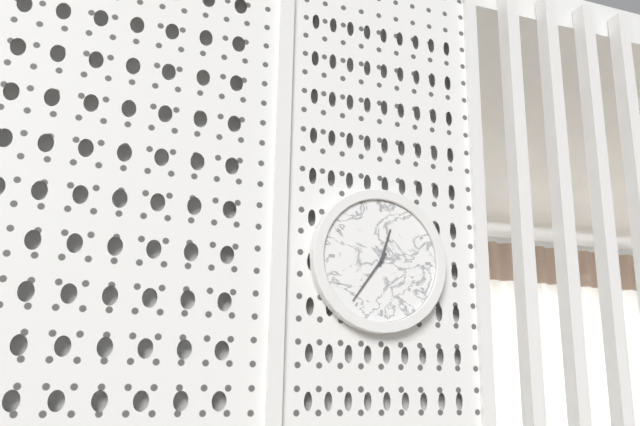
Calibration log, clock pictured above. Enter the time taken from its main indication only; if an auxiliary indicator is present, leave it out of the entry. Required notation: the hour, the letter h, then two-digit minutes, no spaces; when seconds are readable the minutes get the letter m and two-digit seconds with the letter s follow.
12h36
